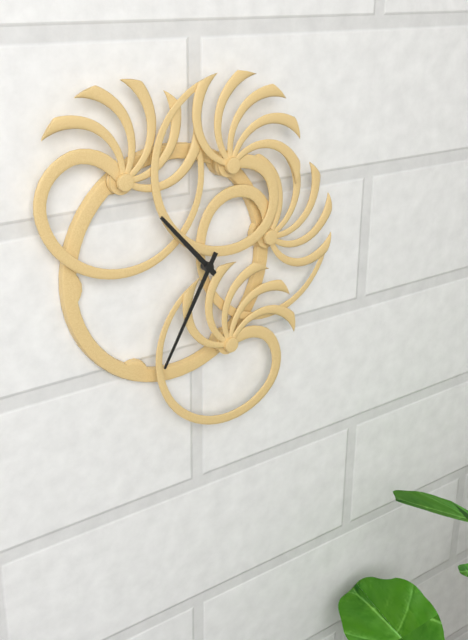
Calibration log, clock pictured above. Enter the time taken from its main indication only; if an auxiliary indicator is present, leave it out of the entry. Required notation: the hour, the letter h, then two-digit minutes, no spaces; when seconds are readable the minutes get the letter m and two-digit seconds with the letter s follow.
10h35
